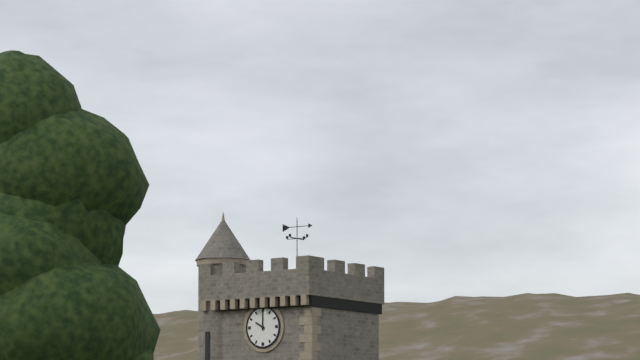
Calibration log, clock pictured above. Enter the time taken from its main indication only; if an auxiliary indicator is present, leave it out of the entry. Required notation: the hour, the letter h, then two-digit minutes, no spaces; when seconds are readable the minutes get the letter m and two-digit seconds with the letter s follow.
10h00
